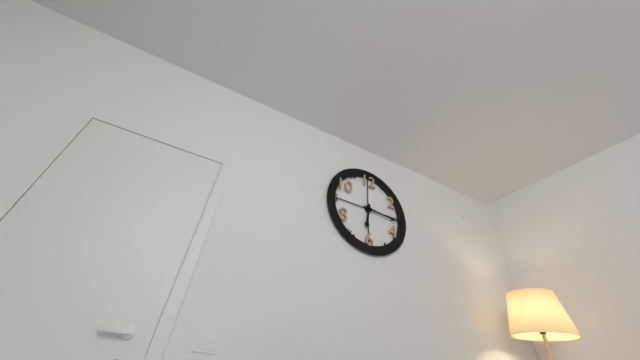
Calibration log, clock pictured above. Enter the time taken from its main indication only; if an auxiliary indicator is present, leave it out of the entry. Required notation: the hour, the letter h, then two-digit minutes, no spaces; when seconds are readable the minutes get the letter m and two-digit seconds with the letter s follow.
6h16
